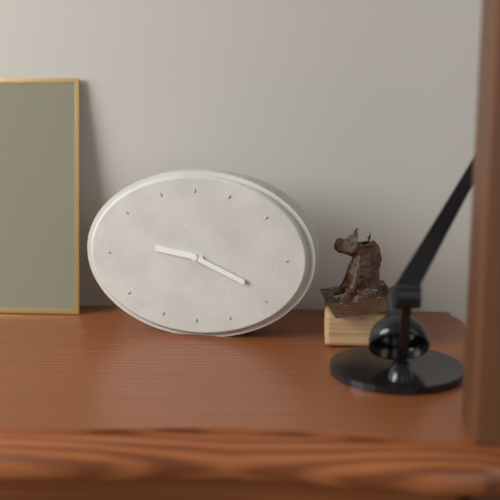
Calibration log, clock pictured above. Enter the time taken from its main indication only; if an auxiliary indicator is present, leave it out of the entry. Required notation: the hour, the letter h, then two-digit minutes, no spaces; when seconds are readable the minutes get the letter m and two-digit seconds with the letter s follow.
9h19
